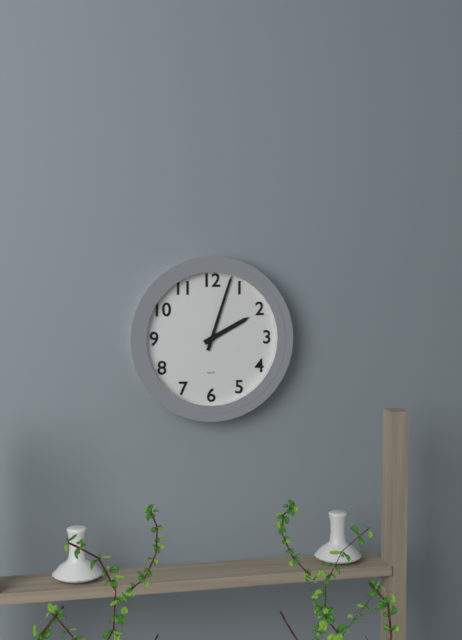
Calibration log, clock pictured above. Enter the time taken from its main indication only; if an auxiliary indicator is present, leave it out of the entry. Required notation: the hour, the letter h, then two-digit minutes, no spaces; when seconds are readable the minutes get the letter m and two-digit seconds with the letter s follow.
2h03
